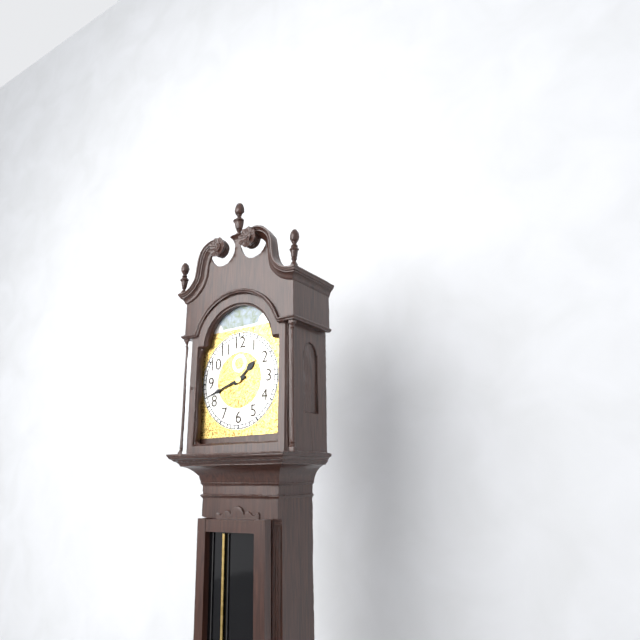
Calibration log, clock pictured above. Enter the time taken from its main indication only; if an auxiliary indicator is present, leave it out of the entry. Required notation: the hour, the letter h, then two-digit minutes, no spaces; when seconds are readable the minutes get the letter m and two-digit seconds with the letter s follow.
1h42
